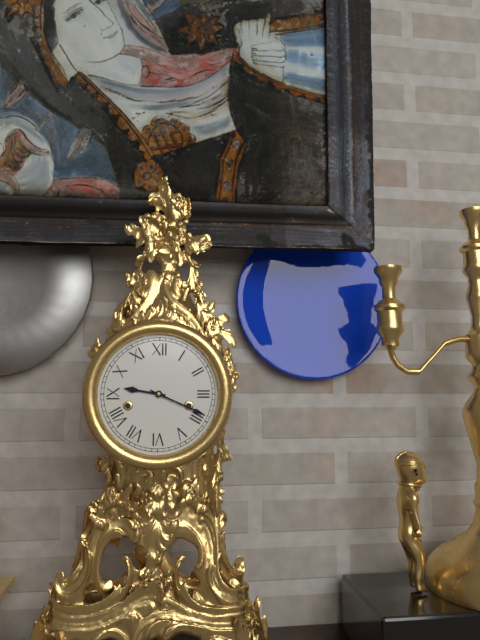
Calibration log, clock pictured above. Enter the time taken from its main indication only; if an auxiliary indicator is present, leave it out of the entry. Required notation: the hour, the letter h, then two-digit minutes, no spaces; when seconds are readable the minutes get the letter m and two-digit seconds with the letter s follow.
9h19
